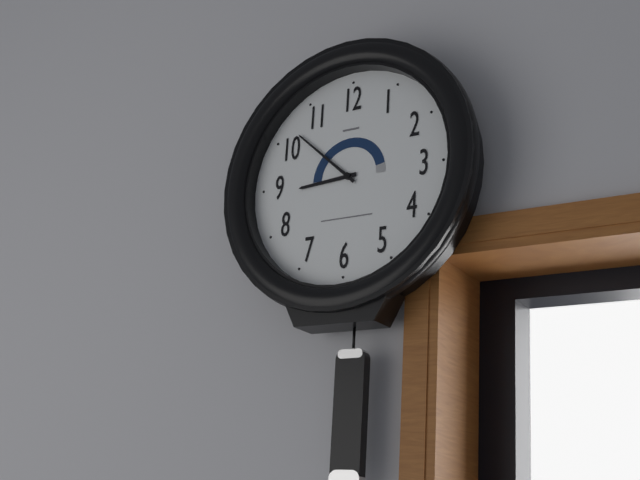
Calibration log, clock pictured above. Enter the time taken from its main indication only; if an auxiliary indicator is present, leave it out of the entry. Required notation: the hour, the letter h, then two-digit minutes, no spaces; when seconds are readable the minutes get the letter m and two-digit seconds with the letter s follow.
8h52
